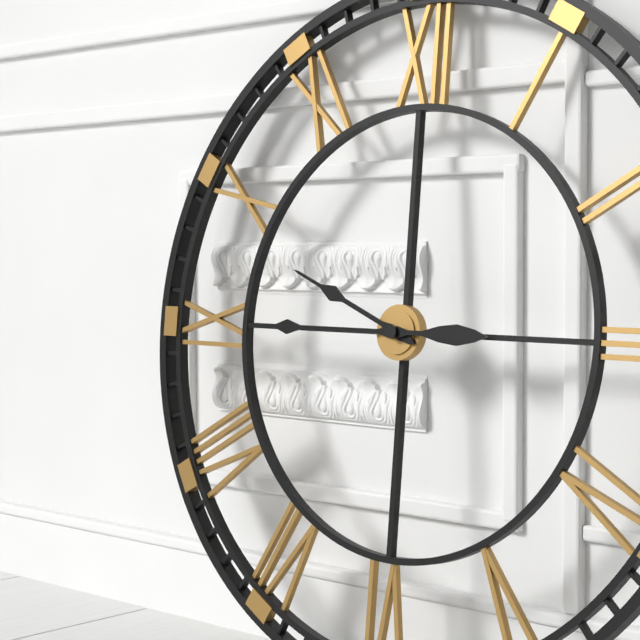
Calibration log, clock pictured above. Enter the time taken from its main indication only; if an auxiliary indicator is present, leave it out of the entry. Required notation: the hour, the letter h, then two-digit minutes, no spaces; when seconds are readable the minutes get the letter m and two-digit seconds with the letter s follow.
9h45
